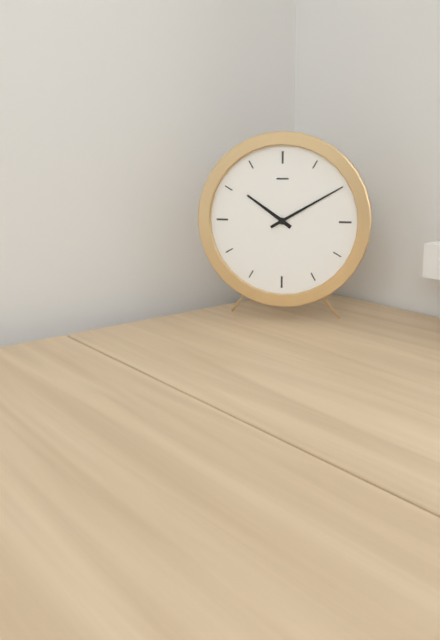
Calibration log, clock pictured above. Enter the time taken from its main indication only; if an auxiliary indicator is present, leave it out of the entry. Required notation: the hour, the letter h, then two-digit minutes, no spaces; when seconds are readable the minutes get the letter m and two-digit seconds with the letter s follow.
10h10
